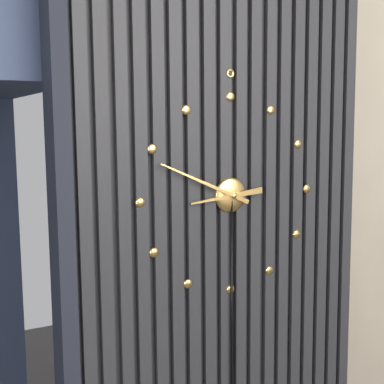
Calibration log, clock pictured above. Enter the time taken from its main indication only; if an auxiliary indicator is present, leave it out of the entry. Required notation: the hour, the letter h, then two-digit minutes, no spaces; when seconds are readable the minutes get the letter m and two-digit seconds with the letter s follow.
8h49
